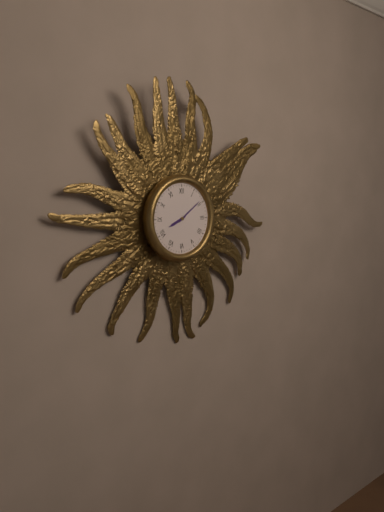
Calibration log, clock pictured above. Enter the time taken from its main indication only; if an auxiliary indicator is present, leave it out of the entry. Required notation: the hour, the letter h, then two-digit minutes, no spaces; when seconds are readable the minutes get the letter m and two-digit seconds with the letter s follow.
8h09
